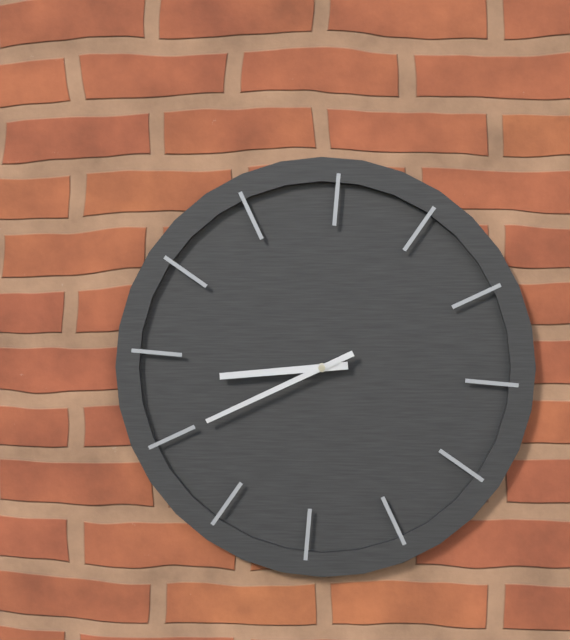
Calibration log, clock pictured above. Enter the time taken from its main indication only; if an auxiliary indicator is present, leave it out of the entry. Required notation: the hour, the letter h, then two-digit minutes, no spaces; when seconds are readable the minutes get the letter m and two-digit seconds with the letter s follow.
8h40
